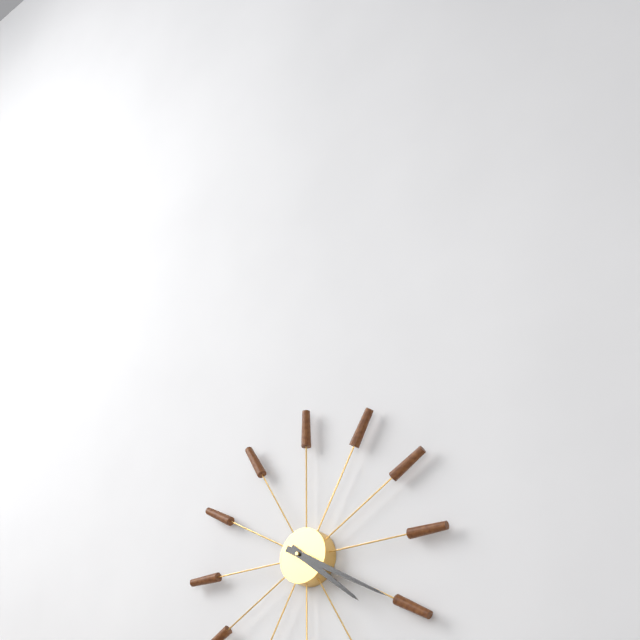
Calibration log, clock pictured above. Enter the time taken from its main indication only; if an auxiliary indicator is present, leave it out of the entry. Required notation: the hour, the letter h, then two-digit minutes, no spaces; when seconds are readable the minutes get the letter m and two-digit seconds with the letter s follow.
4h20
